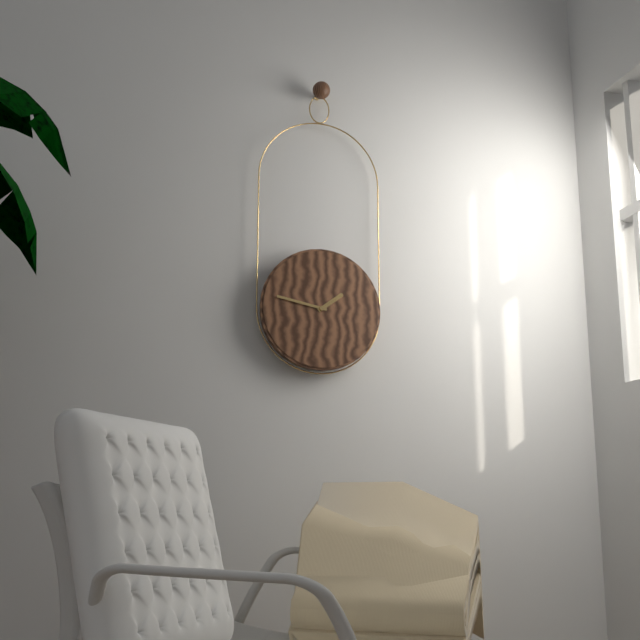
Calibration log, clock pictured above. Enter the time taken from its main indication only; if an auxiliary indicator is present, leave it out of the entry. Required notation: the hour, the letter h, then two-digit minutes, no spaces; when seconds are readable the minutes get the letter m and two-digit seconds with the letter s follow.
1h47
